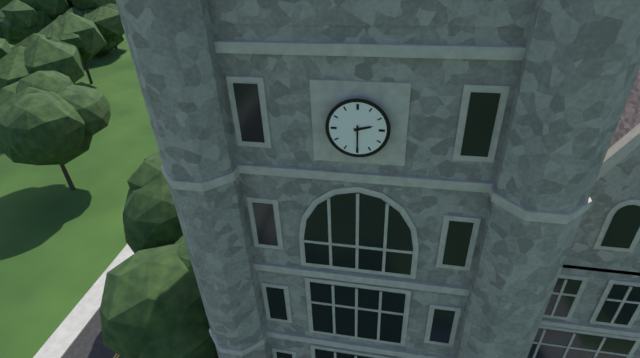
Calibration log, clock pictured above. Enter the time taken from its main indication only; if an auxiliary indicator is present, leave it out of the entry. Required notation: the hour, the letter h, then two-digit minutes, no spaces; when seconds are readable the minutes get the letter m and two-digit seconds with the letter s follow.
2h30
